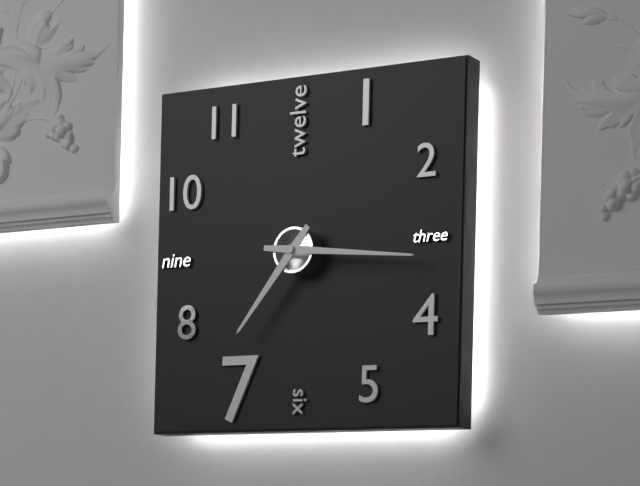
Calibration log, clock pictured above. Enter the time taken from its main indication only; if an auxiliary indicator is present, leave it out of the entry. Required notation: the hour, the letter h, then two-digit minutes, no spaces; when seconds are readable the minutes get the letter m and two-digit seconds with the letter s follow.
7h16
